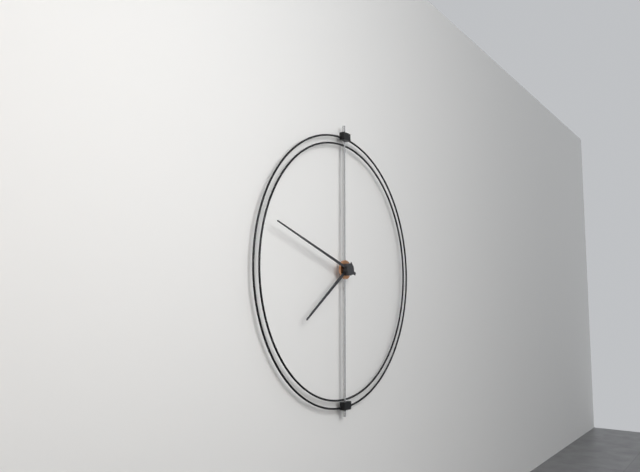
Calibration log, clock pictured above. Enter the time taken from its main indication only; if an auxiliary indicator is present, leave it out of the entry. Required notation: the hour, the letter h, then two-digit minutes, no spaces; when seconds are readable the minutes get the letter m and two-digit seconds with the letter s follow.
7h48
